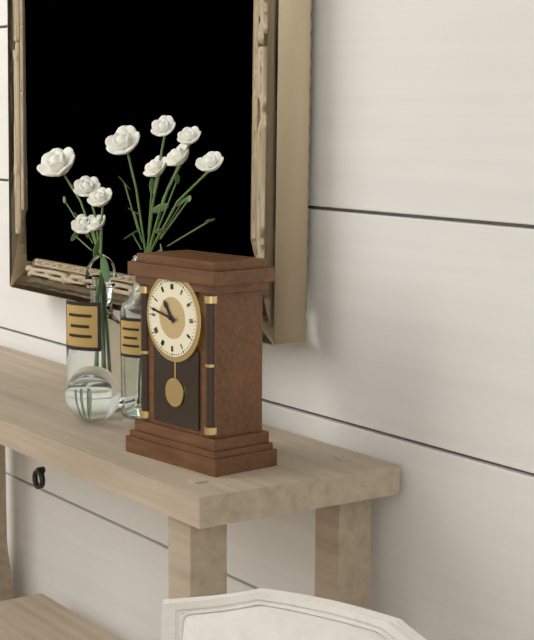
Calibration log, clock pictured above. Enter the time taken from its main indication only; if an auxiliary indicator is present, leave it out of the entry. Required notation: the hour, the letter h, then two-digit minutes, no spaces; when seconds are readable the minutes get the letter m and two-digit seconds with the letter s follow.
10h47
